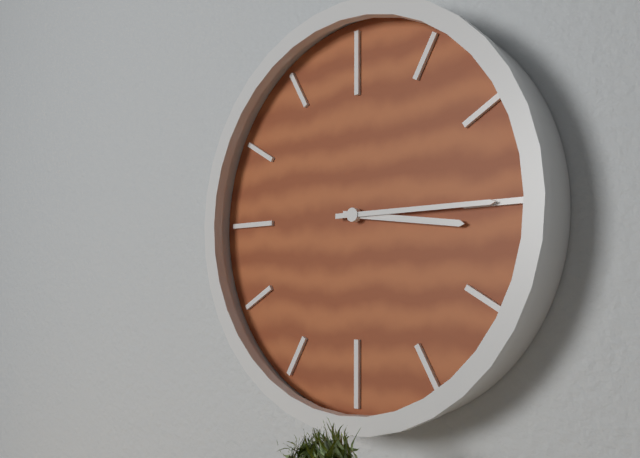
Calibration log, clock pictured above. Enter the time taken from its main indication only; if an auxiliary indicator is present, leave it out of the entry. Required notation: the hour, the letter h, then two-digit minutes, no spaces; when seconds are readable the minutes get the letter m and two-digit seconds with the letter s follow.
3h15
